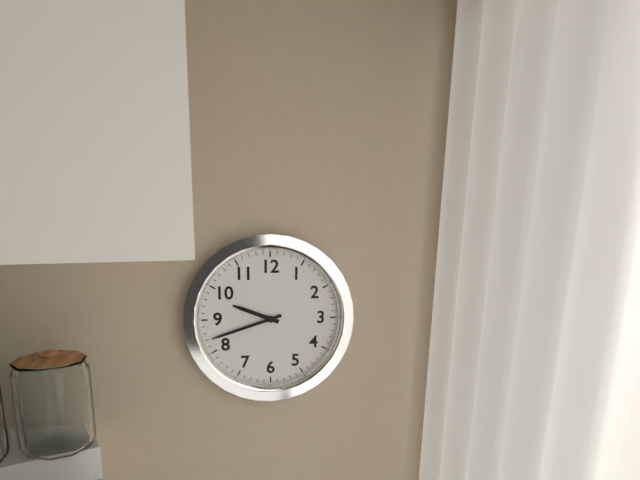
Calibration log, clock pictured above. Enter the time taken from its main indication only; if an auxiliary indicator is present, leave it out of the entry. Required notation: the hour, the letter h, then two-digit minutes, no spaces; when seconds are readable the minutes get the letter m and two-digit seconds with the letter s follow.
9h42
